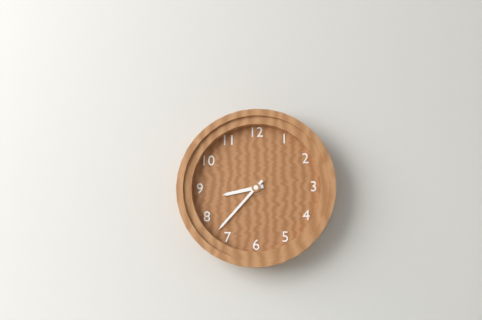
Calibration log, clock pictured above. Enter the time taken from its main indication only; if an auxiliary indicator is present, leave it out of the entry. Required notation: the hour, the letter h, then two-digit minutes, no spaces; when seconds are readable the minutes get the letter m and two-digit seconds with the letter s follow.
8h37
